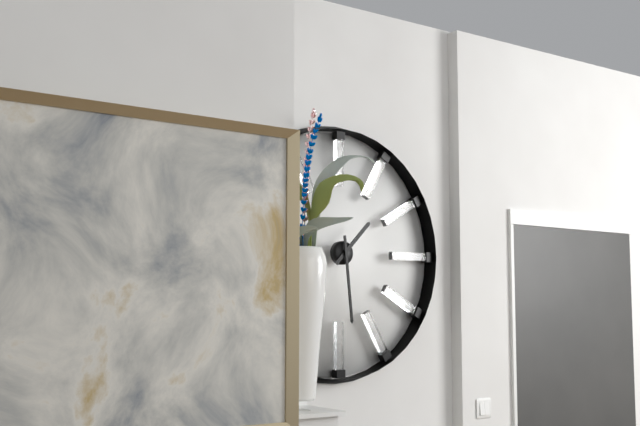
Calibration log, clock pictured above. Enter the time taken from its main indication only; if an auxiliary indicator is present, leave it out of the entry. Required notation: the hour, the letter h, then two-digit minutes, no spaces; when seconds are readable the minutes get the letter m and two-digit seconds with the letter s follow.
1h29
